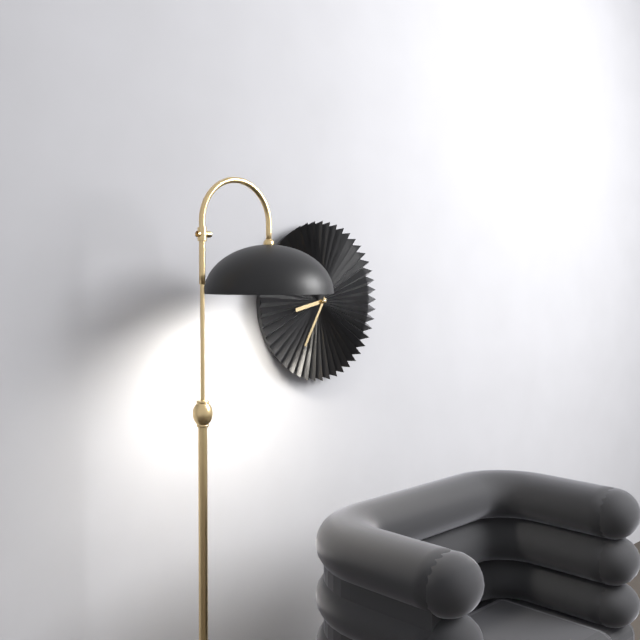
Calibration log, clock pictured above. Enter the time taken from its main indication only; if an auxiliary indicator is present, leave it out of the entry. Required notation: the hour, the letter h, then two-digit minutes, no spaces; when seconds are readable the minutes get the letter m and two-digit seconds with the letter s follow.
8h35
